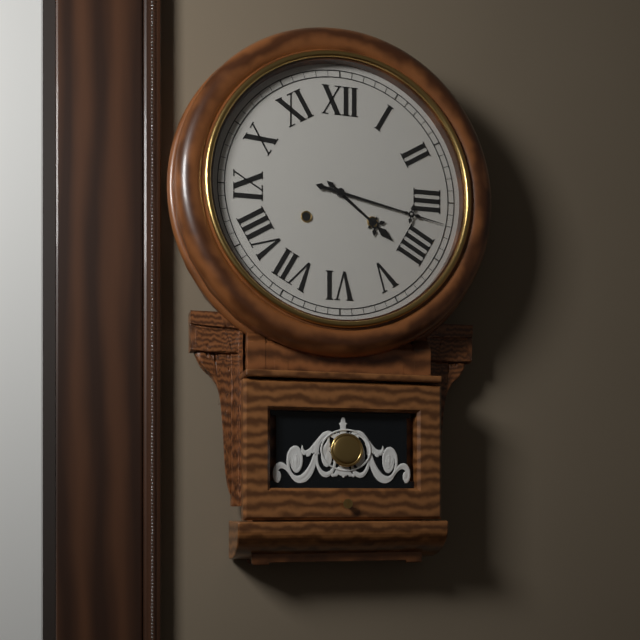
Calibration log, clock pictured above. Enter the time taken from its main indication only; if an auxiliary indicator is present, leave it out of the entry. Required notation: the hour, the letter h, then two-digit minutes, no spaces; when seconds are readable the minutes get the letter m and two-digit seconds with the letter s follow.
4h17
